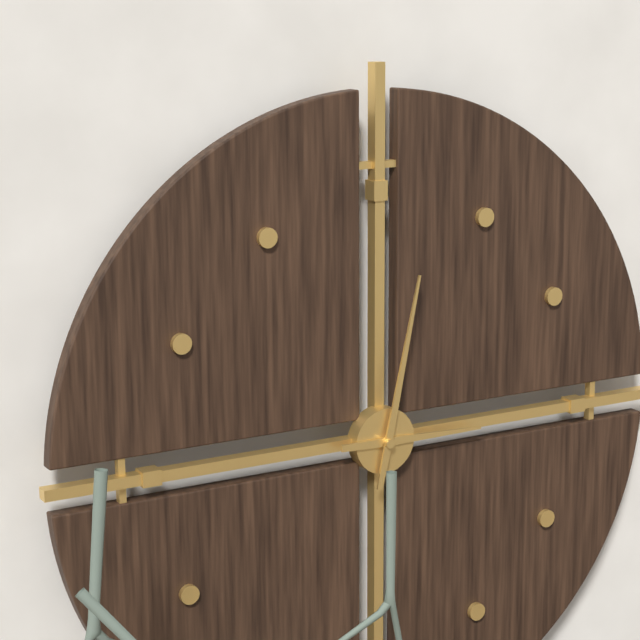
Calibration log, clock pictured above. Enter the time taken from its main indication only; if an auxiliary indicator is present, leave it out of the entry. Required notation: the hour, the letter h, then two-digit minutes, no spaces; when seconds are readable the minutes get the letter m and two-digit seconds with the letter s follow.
3h02
